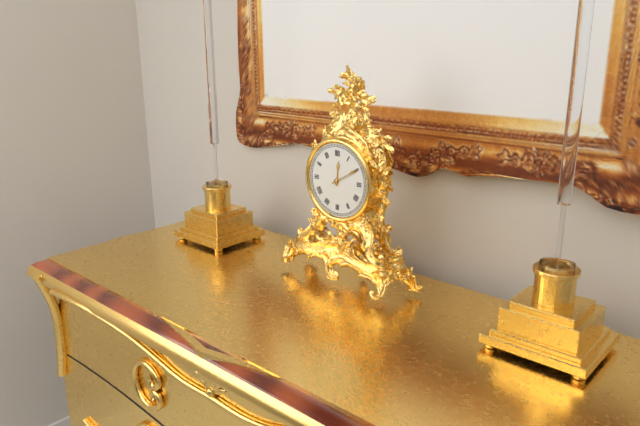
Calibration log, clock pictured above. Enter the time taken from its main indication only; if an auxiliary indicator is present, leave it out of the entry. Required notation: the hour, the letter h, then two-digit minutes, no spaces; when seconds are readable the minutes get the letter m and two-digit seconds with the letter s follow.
12h10
